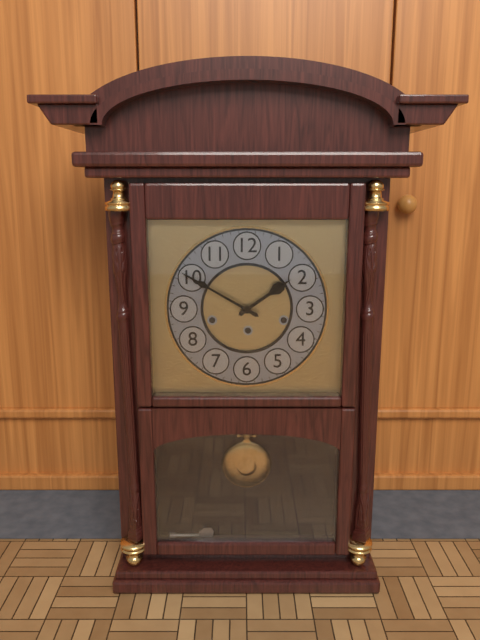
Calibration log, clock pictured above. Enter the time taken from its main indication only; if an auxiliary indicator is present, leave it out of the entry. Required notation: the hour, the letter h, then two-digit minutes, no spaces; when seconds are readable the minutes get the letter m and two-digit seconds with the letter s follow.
1h50
